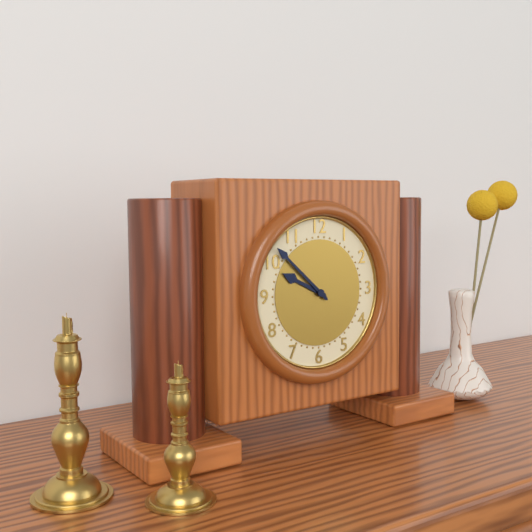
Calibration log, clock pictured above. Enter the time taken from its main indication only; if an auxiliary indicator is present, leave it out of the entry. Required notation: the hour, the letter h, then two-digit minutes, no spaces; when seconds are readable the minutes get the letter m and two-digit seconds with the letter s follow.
9h52
